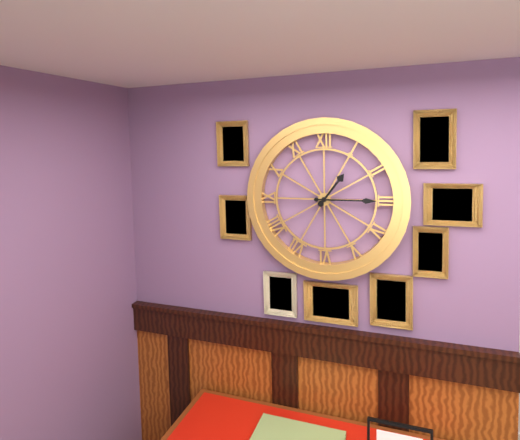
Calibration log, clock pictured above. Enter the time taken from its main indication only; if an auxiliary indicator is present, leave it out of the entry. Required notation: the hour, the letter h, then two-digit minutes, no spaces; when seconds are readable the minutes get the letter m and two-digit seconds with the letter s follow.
1h15
